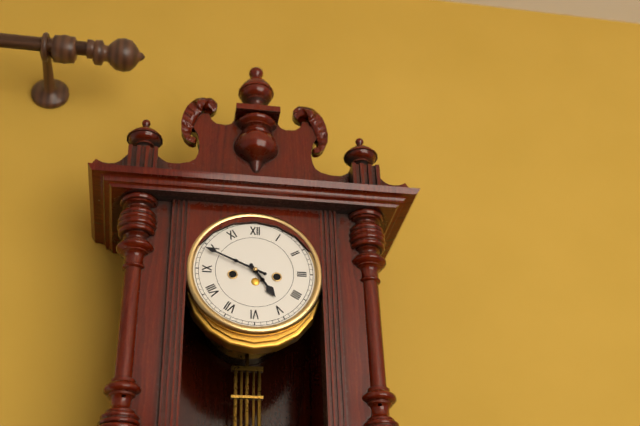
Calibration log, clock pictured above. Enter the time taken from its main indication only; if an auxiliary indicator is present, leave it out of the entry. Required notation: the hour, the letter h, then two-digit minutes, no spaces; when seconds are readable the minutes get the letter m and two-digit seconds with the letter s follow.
4h49
